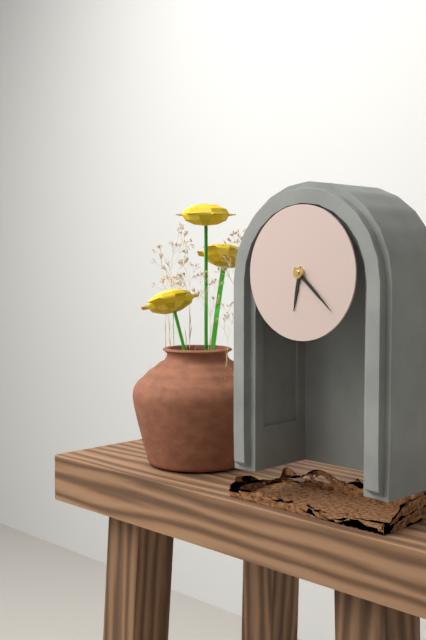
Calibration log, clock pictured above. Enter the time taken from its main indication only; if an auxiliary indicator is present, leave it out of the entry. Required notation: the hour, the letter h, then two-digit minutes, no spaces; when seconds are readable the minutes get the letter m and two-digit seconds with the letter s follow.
6h22
